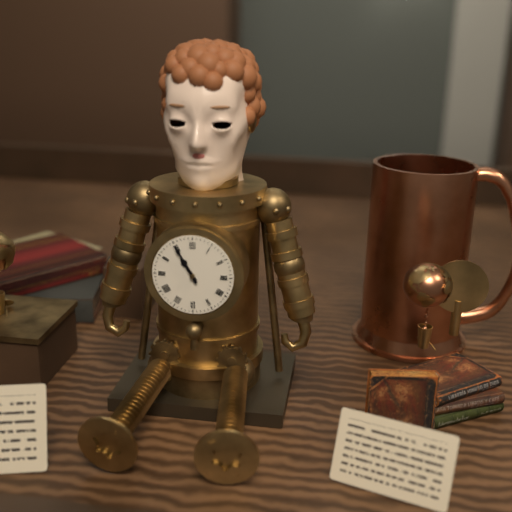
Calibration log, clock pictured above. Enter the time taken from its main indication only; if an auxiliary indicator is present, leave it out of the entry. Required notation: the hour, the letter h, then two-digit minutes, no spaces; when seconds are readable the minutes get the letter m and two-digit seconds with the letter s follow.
10h55
